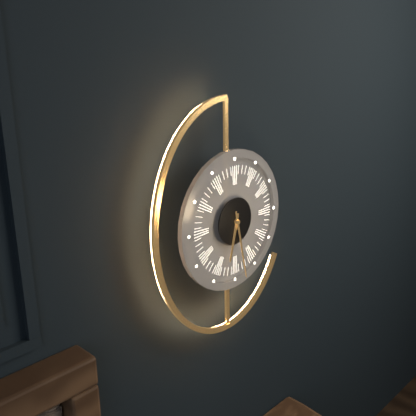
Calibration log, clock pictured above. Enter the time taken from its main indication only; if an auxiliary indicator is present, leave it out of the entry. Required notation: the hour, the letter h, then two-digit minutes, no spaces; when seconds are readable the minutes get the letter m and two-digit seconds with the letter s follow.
6h28
